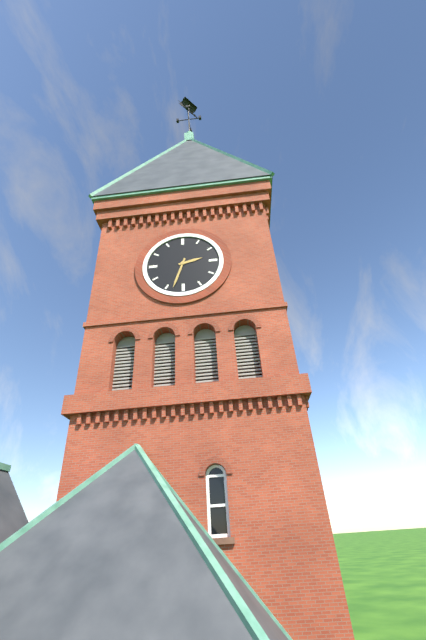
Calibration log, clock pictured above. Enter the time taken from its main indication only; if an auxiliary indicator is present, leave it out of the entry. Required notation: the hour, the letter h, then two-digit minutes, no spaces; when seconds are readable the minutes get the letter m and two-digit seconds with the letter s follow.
2h33
